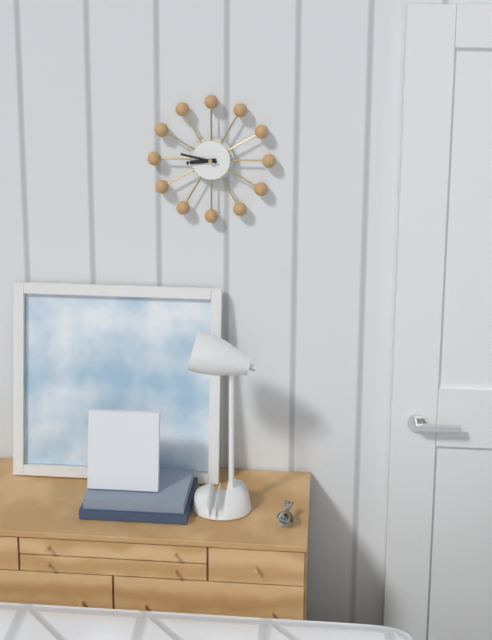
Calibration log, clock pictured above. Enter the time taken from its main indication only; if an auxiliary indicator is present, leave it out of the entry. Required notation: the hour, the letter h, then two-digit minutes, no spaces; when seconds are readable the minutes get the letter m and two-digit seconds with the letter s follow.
8h47
